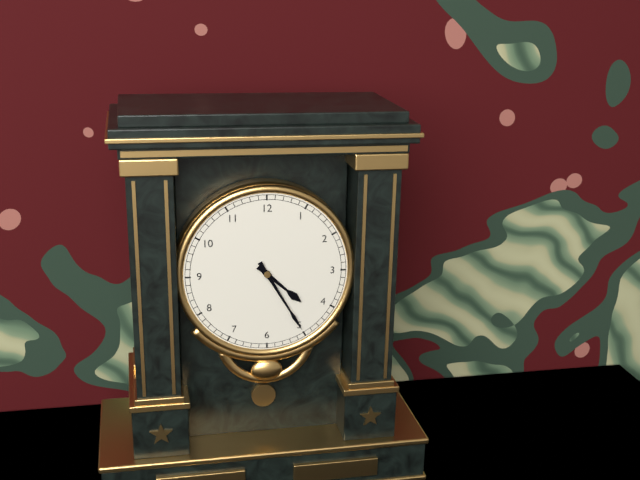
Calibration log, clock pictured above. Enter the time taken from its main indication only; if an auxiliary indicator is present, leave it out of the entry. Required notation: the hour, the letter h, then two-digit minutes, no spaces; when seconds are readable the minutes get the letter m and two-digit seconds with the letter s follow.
4h25
